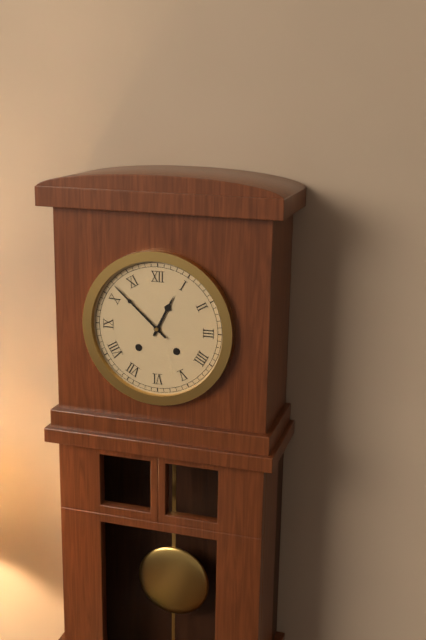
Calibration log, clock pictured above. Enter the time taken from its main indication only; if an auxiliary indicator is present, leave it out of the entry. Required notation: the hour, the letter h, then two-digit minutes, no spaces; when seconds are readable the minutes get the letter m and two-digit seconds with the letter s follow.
12h52
